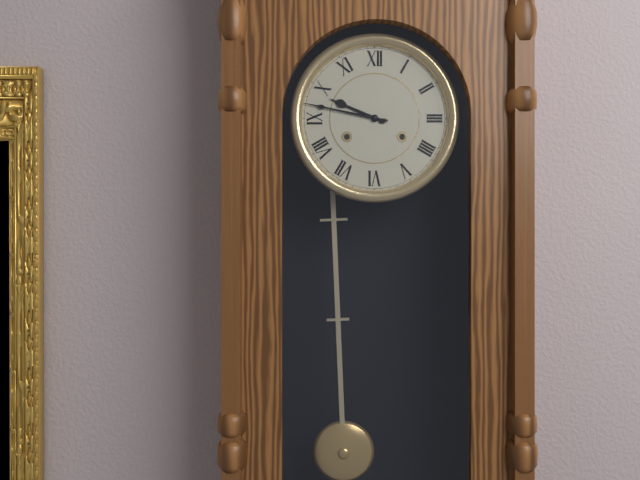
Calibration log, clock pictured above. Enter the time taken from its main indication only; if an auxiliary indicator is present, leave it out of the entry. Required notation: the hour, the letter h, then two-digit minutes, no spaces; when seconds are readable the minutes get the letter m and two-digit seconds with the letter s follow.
9h47
